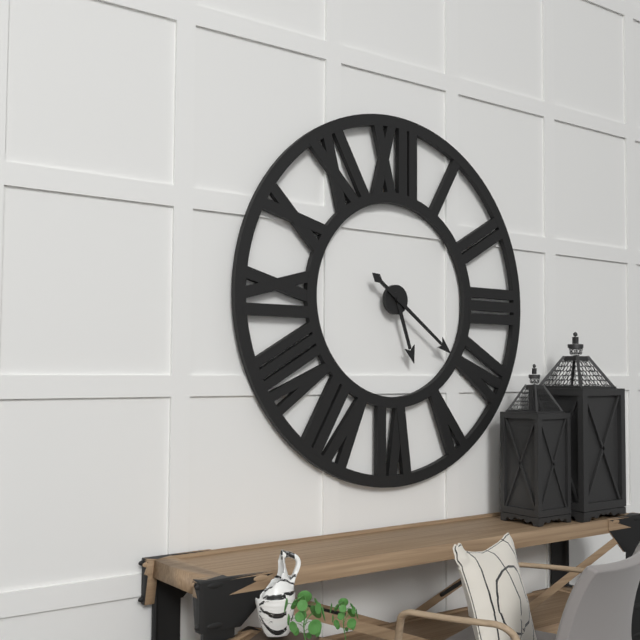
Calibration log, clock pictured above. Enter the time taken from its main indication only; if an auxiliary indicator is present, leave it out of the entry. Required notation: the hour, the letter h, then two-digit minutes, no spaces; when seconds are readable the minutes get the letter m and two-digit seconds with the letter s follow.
5h21
